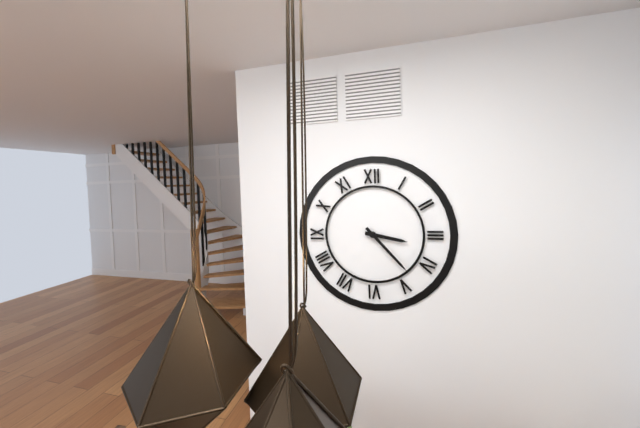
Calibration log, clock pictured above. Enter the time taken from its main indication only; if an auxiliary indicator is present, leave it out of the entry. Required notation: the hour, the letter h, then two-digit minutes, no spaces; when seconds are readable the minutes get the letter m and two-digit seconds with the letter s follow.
3h23
